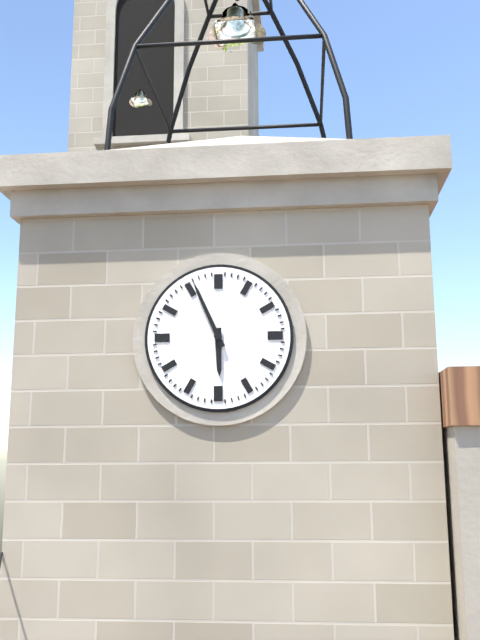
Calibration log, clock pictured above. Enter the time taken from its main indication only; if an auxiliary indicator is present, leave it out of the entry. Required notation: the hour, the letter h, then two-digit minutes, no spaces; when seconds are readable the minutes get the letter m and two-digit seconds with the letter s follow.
5h56
